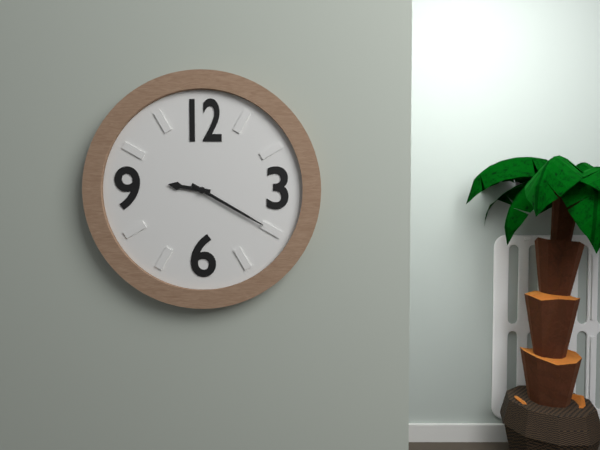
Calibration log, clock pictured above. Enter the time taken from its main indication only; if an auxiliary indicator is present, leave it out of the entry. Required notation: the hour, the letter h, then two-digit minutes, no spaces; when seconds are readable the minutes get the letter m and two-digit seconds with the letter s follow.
9h20
